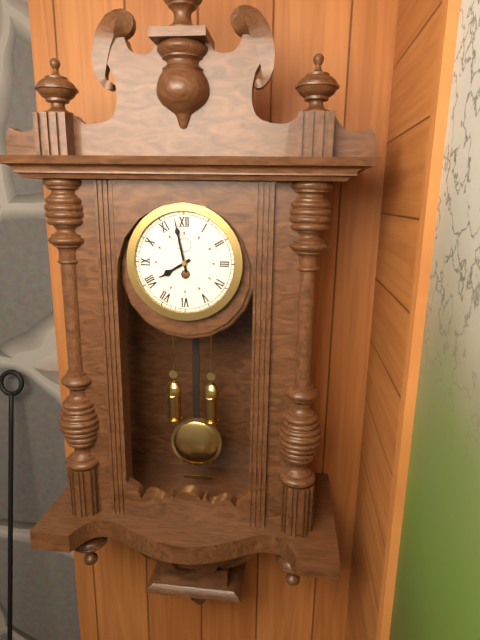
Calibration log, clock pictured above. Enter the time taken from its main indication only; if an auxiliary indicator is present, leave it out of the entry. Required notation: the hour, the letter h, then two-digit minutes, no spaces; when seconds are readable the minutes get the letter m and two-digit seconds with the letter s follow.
7h58
